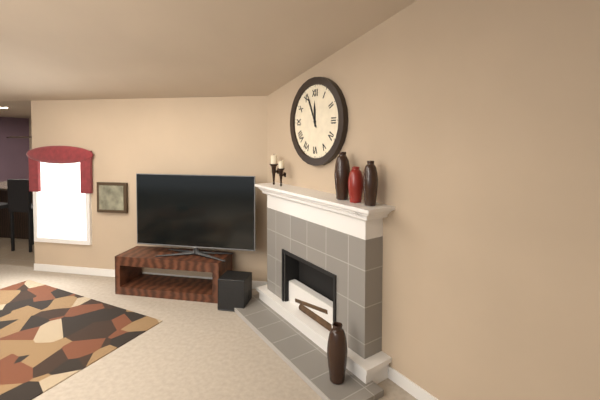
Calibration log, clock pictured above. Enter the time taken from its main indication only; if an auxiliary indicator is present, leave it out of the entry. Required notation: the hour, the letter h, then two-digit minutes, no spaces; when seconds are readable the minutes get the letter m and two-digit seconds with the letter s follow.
11h56
